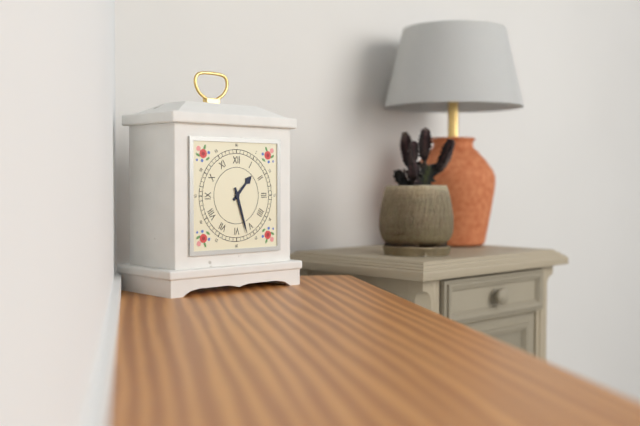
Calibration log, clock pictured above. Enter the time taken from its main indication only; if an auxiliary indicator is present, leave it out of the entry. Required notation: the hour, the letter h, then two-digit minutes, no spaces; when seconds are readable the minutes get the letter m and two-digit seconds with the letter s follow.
1h27
